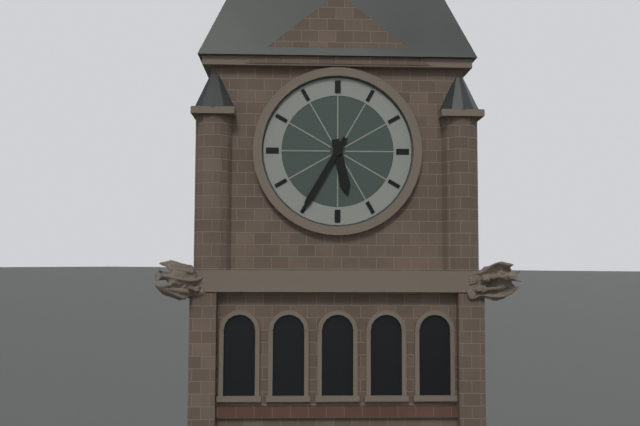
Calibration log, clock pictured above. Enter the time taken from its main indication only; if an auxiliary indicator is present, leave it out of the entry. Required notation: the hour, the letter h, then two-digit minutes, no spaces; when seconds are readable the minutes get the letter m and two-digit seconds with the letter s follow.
5h35
